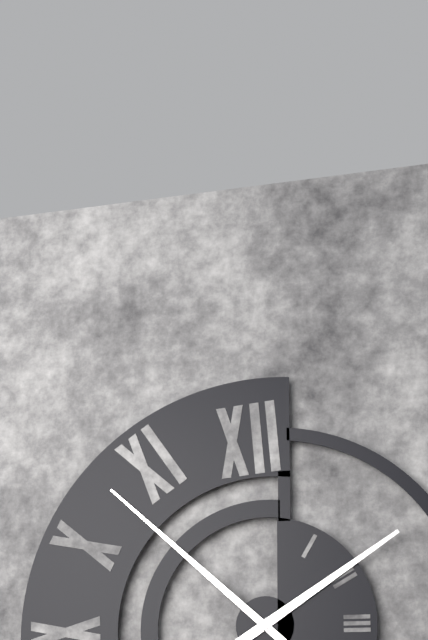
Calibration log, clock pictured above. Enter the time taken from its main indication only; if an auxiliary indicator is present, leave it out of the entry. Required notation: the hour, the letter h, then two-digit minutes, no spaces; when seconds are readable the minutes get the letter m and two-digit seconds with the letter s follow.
1h52
